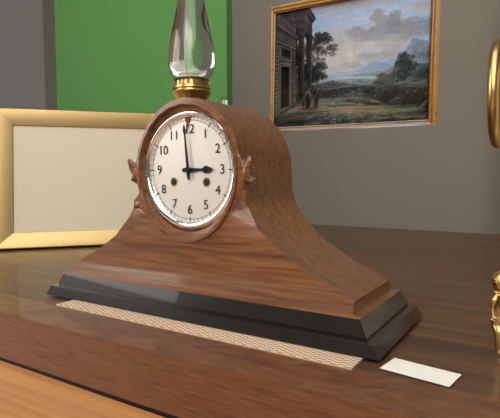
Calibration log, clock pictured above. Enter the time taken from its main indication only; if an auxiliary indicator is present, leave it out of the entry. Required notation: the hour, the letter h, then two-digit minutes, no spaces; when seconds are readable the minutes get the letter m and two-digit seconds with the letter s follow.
2h59
